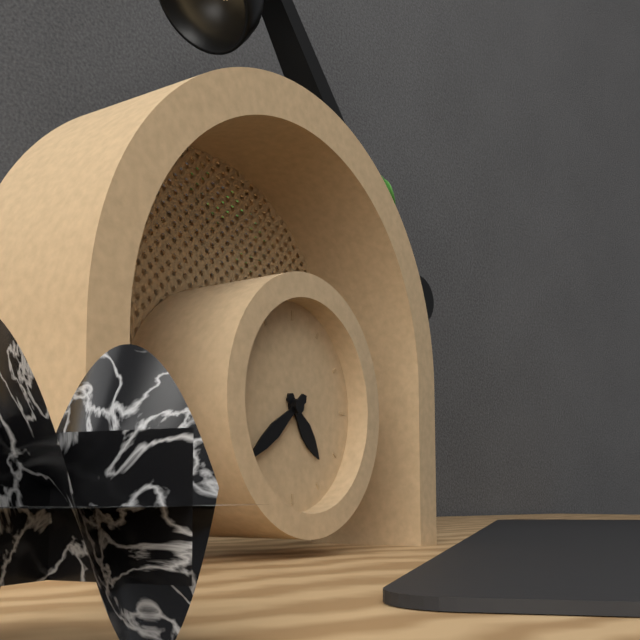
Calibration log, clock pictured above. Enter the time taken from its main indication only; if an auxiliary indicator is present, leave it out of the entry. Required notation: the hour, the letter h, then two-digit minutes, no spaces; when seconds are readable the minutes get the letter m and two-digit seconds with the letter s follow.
4h39
